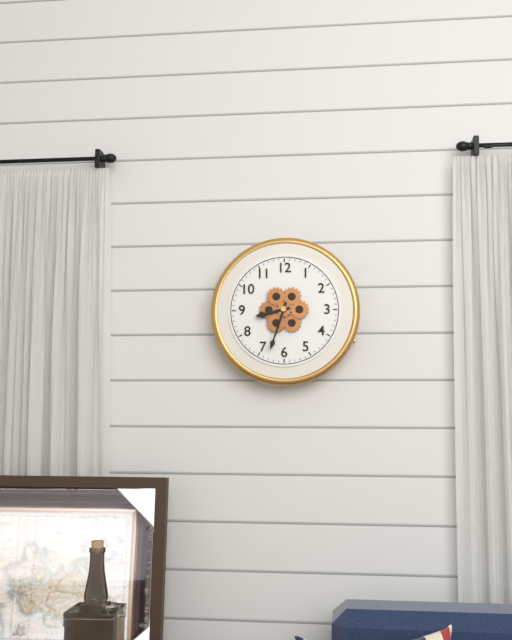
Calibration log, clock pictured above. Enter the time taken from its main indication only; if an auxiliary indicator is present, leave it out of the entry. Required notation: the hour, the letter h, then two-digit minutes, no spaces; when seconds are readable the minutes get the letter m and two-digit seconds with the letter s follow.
8h33
